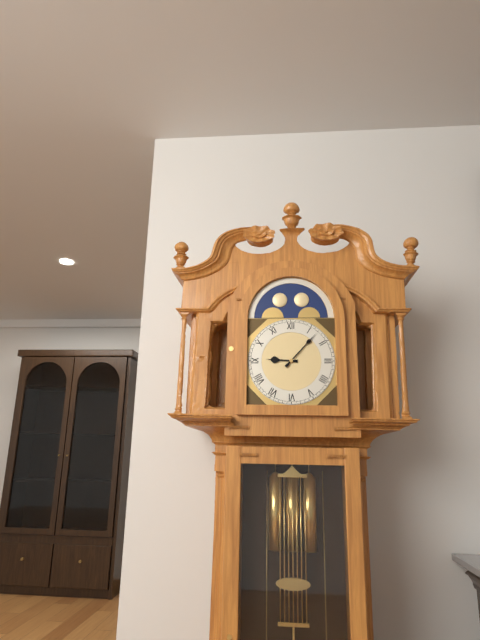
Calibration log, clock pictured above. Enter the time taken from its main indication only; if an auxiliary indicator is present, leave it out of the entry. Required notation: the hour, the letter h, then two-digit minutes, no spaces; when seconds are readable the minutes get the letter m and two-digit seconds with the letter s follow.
9h07
